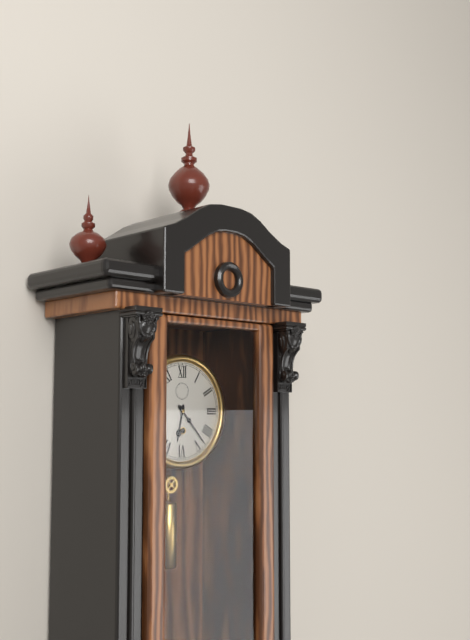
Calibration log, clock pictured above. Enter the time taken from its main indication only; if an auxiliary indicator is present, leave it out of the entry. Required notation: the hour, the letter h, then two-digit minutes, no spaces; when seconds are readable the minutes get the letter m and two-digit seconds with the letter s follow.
6h23
